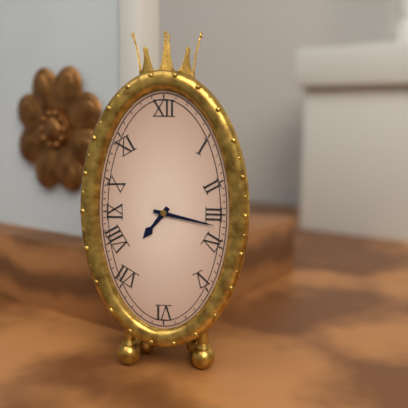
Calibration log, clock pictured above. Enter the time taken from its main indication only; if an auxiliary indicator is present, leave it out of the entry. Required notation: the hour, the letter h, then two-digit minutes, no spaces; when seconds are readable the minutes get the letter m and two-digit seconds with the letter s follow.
7h17
